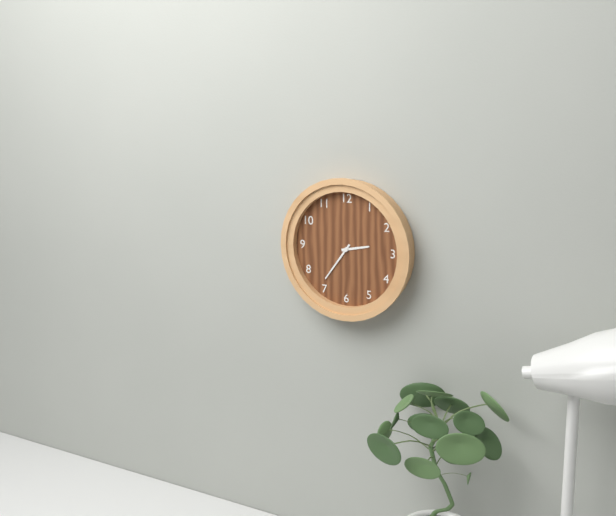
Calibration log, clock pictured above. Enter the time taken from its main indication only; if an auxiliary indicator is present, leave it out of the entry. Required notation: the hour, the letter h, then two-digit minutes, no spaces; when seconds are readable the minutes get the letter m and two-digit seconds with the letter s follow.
2h36
